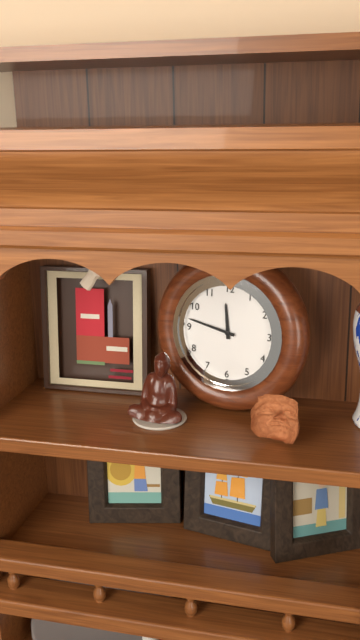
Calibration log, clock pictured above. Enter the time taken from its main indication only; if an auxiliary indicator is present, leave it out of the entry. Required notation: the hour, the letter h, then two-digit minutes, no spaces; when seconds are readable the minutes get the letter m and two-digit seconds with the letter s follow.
11h47
